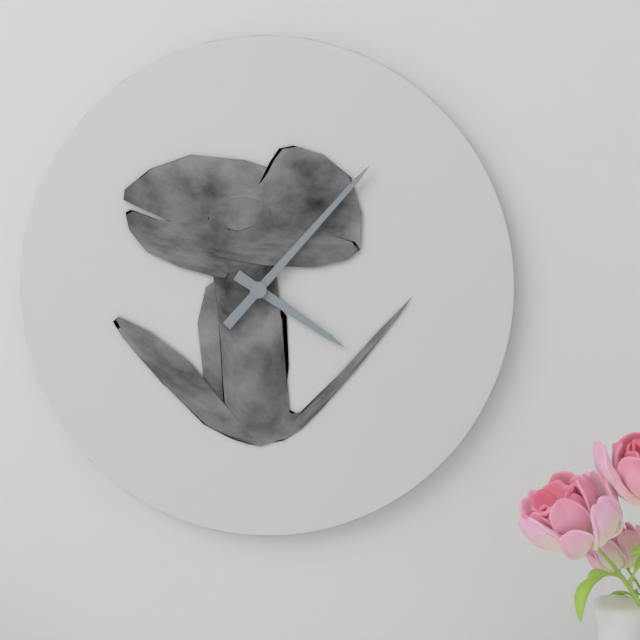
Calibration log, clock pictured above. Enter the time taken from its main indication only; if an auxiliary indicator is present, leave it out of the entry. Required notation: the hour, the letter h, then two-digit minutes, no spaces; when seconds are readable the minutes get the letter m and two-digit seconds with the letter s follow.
4h07
